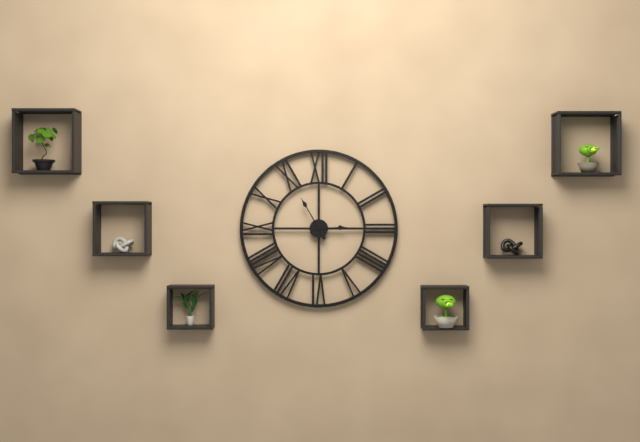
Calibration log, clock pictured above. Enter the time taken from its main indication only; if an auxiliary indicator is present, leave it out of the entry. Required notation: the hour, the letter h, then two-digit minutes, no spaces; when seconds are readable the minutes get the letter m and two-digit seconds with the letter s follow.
2h55
